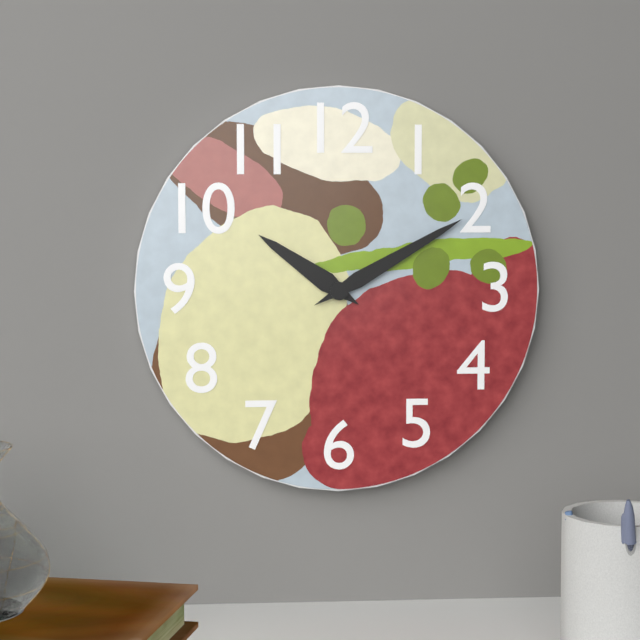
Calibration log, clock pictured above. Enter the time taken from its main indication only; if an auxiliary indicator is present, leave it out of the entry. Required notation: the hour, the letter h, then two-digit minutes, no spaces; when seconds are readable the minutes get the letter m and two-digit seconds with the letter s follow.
10h10
